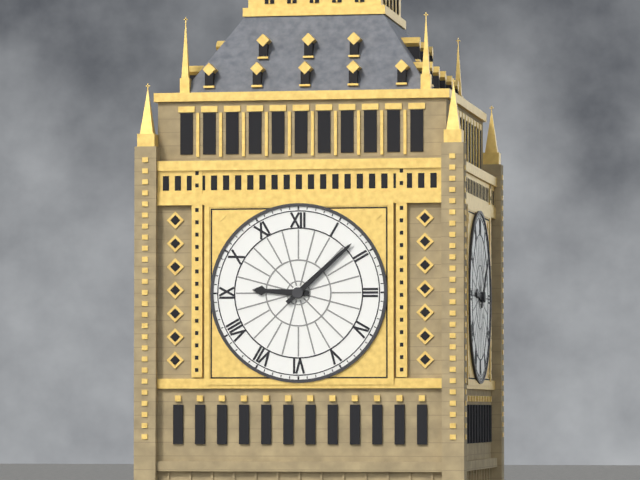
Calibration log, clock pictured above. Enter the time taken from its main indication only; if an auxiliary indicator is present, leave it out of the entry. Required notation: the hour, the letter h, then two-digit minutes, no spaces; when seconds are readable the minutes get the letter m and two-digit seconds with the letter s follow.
9h08
